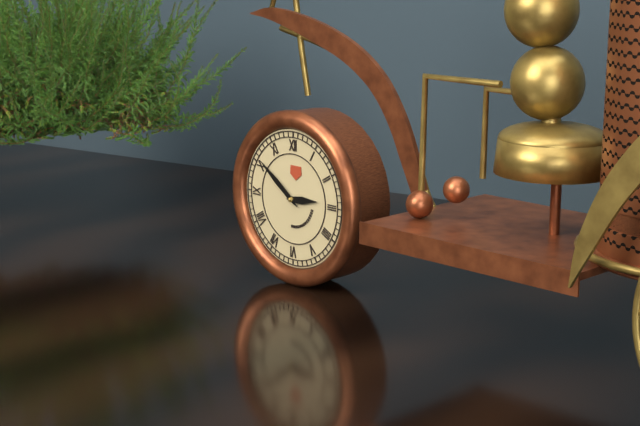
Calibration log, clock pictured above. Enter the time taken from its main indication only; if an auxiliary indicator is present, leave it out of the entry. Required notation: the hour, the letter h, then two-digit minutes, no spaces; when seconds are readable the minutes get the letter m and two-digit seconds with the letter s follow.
2h51
